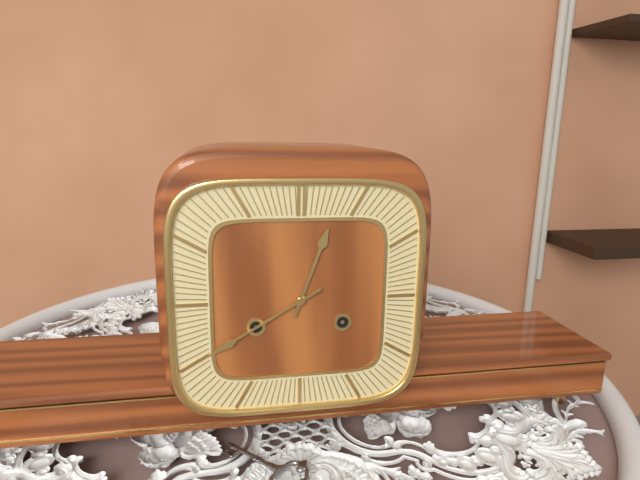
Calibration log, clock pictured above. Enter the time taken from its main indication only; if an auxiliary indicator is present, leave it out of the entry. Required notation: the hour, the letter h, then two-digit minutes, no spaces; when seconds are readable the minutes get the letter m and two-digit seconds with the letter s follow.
12h40
